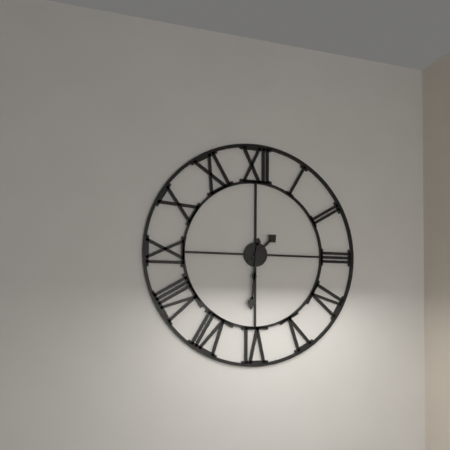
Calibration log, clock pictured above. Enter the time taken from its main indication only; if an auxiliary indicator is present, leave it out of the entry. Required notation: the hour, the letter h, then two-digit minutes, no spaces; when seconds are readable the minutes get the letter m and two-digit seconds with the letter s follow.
1h31
